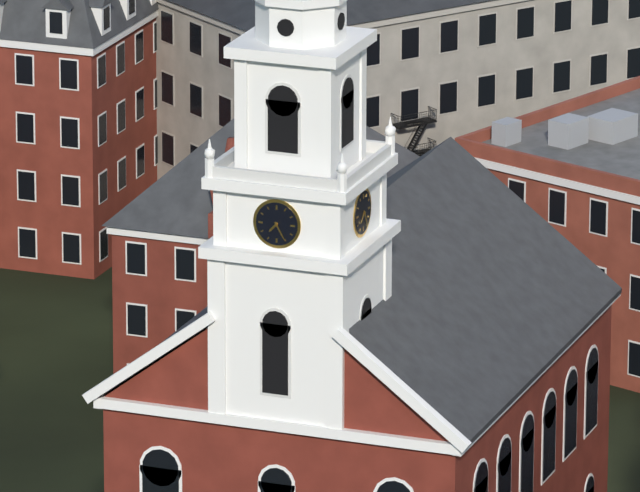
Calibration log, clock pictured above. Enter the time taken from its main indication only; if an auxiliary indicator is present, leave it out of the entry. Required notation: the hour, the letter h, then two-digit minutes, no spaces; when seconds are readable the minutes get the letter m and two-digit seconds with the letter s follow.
7h25
